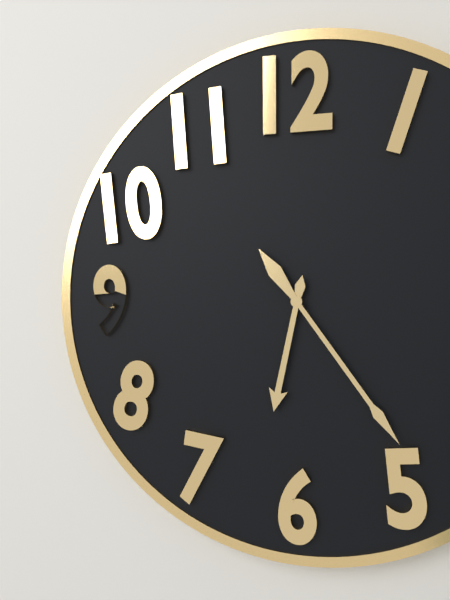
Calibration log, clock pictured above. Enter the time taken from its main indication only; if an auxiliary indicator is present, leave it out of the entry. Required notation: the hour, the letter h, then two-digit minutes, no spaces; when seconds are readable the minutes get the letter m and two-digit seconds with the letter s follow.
6h24
